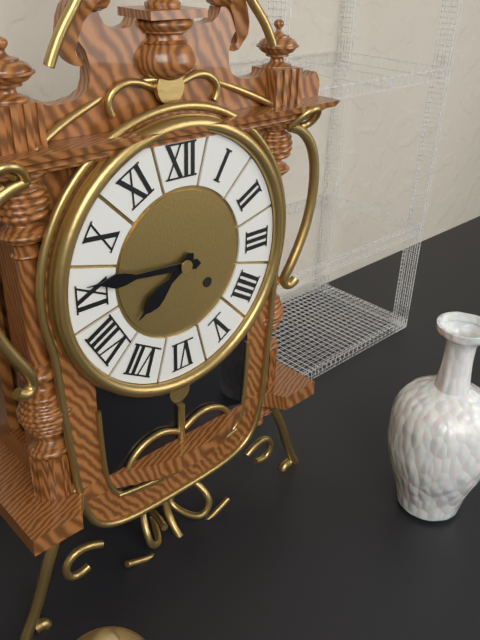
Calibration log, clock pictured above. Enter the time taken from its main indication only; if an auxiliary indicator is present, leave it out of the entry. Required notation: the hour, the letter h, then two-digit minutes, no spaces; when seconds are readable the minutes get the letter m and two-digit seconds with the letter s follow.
7h46
